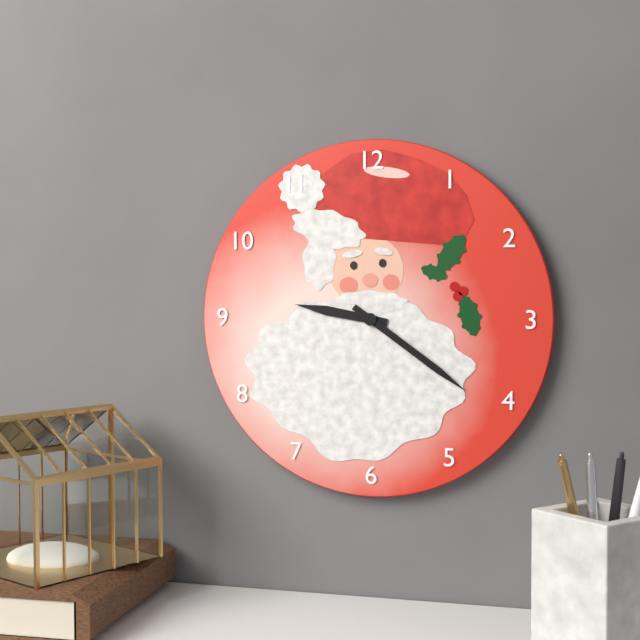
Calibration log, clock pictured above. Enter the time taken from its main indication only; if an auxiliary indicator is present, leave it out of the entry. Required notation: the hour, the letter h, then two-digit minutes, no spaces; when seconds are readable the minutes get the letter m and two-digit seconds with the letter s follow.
9h21
